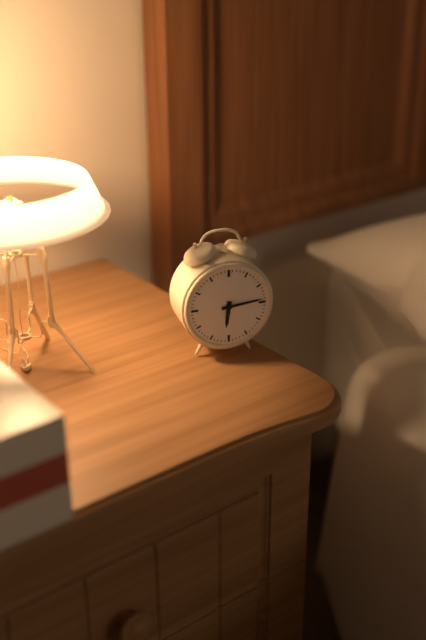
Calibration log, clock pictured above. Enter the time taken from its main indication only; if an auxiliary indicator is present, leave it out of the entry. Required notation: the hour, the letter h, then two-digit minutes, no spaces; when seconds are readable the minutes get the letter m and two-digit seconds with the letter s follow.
6h14
